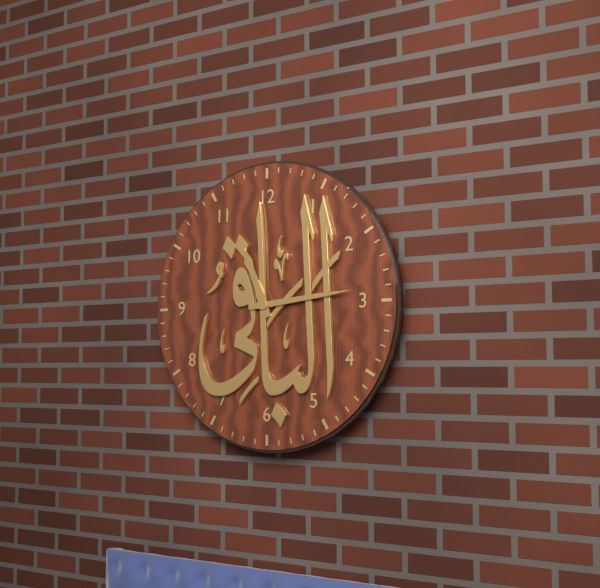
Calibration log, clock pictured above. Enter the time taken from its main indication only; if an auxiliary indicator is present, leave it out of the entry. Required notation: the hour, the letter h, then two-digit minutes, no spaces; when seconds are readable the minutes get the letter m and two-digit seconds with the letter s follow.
11h14
